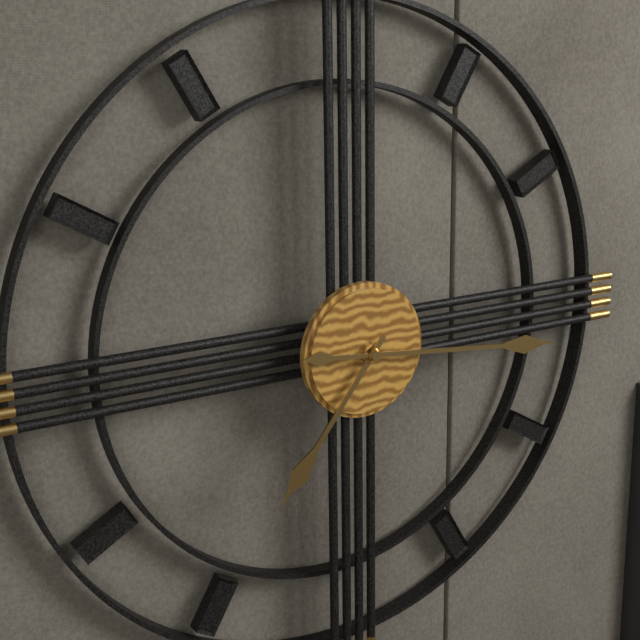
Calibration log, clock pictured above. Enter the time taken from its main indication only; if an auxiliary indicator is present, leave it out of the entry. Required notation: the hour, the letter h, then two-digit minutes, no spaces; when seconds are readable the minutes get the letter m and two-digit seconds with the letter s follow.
7h16
